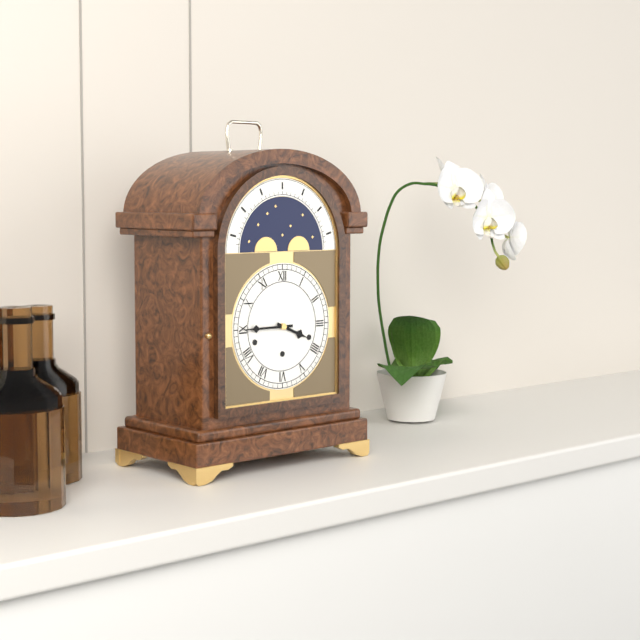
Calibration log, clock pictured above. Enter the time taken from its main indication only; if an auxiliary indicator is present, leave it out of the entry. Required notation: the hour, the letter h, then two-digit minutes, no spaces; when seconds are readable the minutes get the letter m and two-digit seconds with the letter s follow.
3h45
